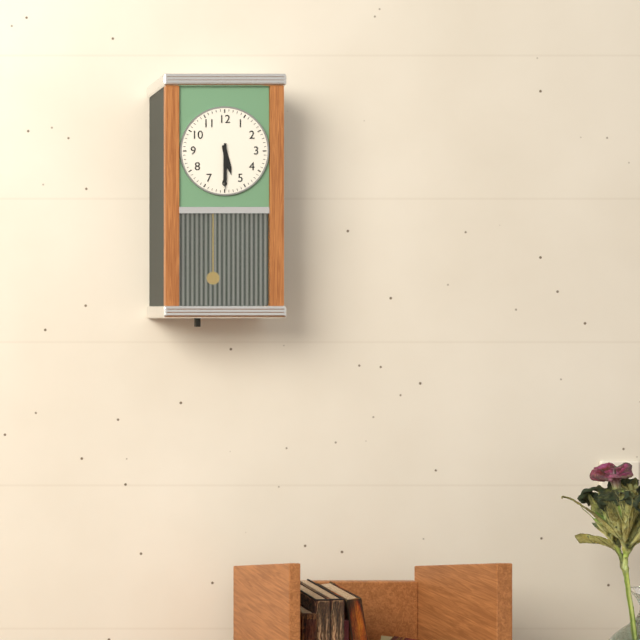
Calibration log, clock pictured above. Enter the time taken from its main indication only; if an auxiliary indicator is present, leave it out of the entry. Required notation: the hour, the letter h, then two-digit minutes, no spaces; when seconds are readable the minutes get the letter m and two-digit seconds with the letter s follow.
5h30
